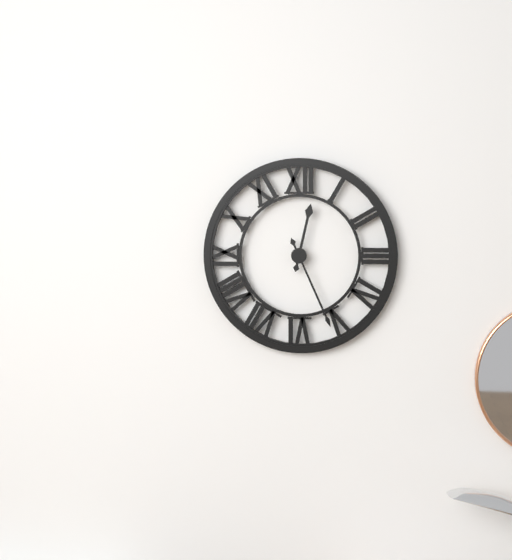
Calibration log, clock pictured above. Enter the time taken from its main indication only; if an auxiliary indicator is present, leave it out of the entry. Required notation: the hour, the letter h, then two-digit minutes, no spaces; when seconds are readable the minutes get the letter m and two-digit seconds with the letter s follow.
12h26
